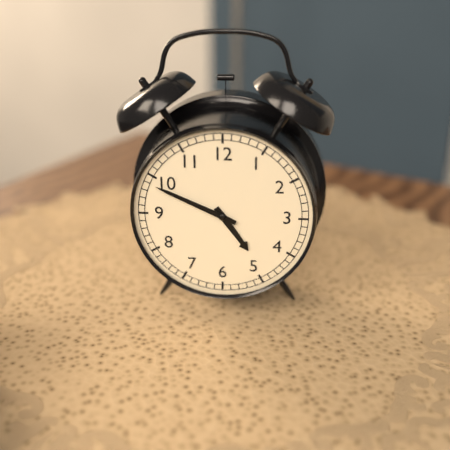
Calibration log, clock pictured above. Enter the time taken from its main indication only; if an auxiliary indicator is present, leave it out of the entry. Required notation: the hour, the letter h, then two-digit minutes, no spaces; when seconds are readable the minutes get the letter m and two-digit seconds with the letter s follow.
4h49
